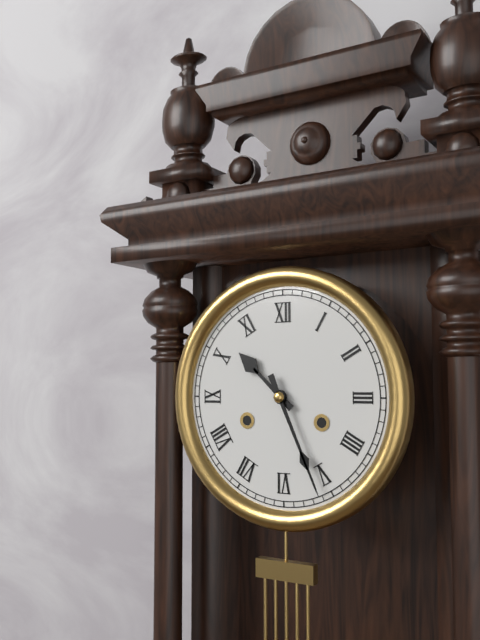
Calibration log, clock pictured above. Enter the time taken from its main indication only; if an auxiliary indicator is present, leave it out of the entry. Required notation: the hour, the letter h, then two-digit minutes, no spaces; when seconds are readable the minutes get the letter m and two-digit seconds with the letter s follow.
10h26
